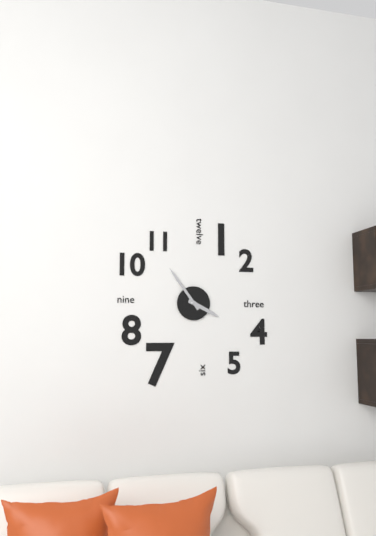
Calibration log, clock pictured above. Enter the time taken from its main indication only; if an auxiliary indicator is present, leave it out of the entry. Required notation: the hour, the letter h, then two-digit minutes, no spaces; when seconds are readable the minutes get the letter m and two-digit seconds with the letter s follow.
3h54
